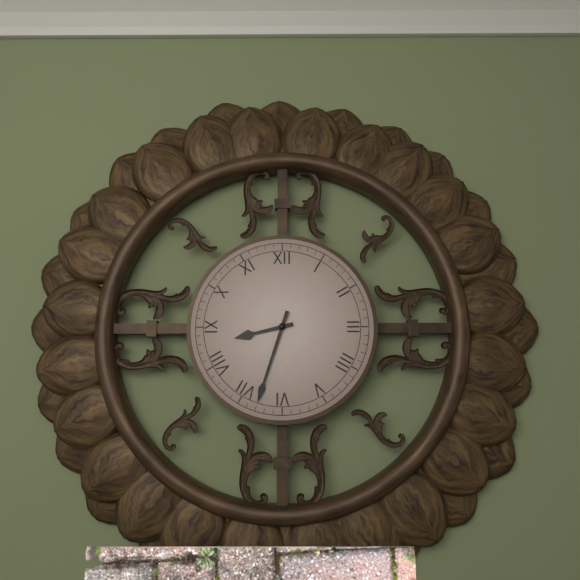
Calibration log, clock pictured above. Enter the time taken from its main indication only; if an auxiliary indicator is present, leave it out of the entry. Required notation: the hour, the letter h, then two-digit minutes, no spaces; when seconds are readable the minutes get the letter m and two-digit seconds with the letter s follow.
8h33
